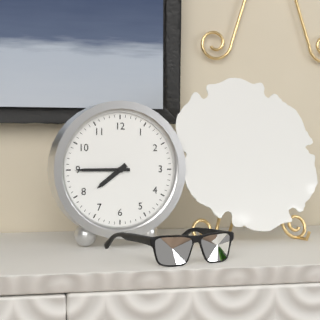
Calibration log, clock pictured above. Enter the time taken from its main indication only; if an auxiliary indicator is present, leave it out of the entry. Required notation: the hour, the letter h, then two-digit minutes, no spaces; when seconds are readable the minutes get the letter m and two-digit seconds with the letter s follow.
7h45
